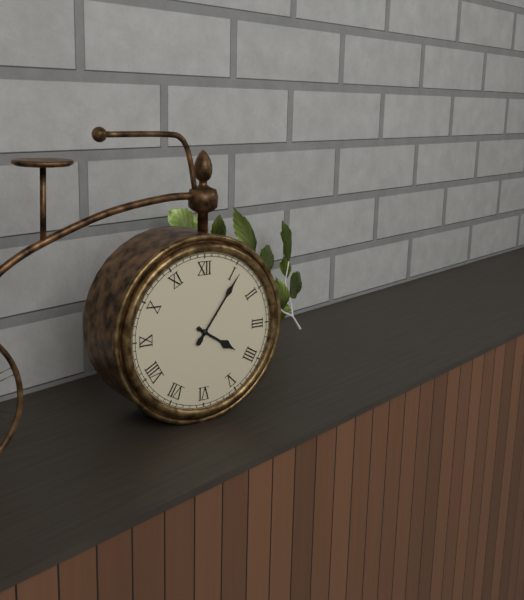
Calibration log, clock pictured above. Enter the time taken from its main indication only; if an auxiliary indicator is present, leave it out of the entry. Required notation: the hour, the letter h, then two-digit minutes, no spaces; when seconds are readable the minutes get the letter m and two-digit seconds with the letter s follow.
4h06
